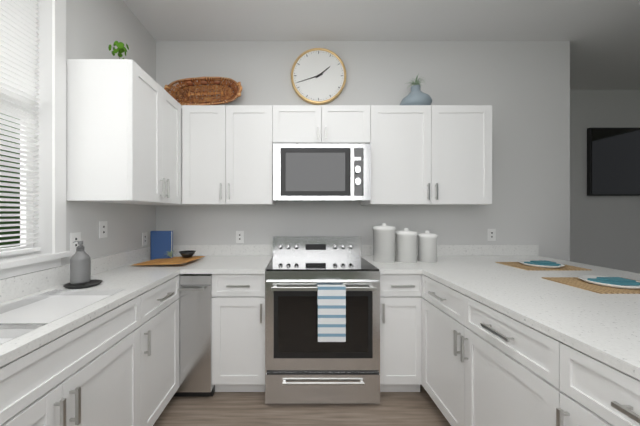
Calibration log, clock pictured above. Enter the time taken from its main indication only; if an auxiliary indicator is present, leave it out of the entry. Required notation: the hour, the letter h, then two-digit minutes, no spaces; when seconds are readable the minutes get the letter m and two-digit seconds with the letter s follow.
1h42
